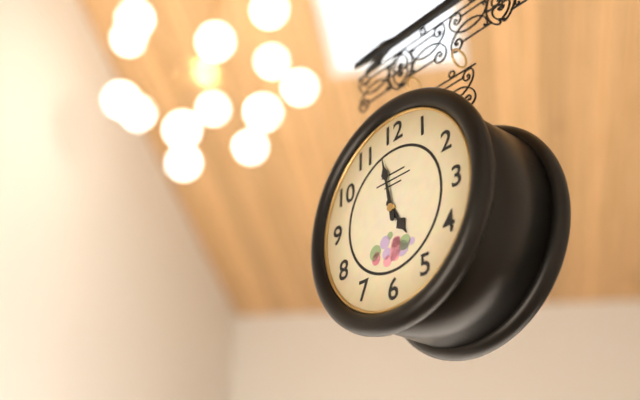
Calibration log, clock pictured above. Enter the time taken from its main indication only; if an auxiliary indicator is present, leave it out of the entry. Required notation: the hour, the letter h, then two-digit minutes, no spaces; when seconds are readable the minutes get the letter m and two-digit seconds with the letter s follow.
4h58
